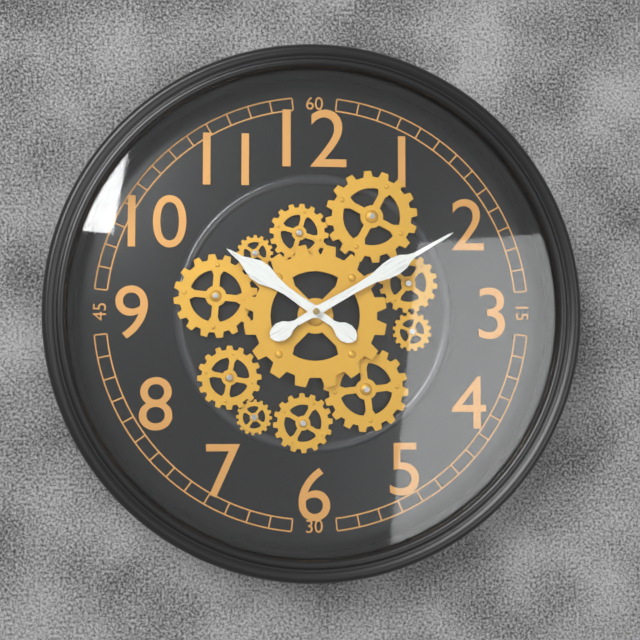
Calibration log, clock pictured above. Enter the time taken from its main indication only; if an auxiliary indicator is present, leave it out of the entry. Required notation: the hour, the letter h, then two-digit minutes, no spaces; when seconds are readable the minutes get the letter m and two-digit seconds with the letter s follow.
10h10
